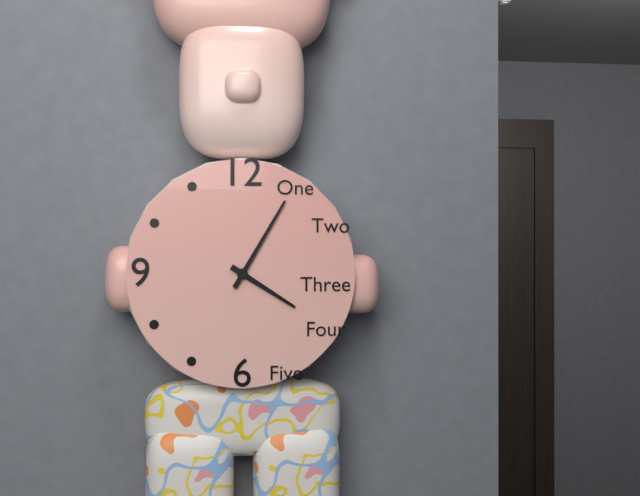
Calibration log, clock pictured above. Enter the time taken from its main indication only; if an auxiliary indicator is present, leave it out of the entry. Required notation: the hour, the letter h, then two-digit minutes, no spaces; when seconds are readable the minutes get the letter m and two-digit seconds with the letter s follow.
4h05
